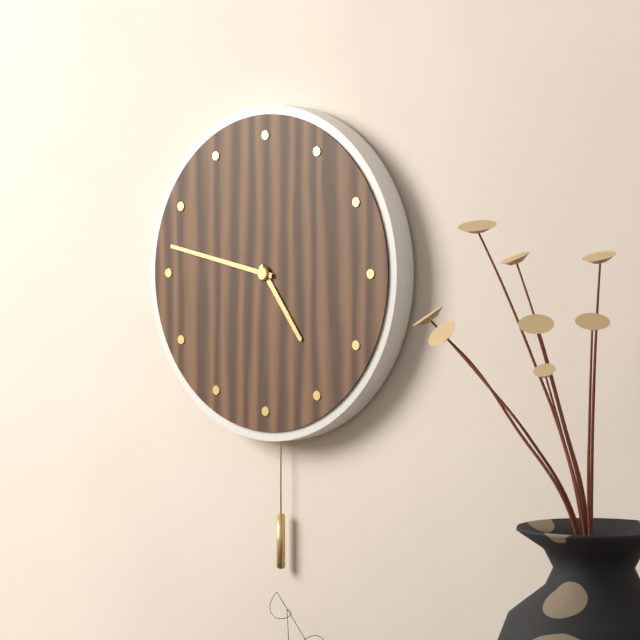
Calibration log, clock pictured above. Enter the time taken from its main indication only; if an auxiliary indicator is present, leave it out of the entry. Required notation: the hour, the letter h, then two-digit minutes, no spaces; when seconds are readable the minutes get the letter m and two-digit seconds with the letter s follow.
4h47
